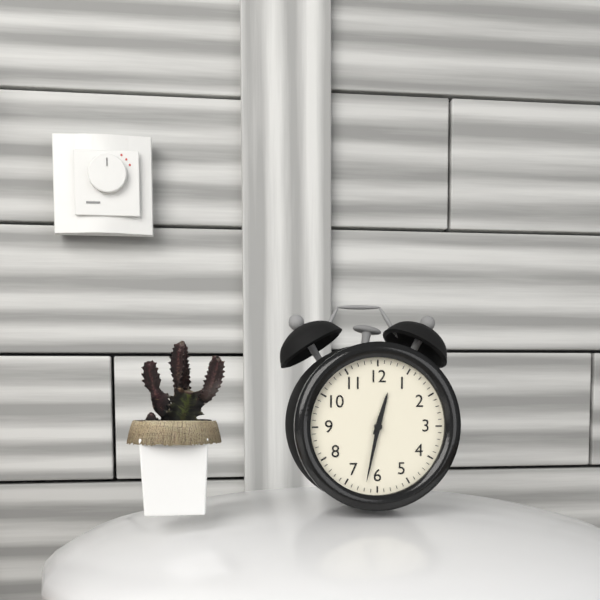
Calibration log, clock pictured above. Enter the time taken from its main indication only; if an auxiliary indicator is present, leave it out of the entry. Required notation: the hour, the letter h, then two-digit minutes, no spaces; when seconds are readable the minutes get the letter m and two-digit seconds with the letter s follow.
12h32
